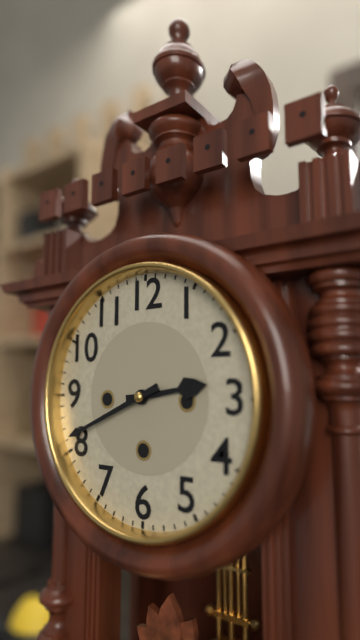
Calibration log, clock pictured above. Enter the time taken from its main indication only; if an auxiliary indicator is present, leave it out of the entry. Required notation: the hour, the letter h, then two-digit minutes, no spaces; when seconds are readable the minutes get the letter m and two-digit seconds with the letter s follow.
2h41
